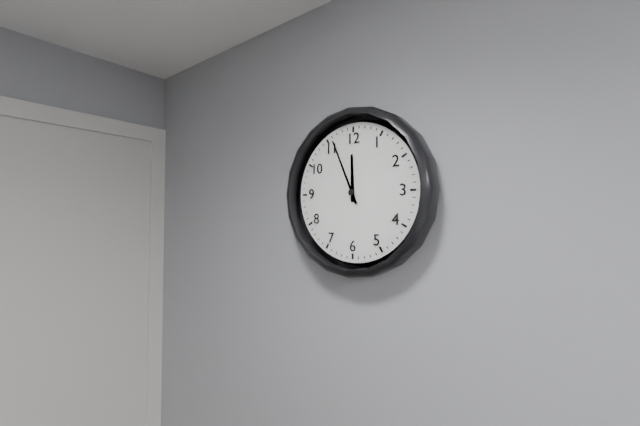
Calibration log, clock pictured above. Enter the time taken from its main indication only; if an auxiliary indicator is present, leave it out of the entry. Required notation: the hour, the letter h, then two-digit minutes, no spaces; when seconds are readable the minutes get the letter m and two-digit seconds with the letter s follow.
11h56
